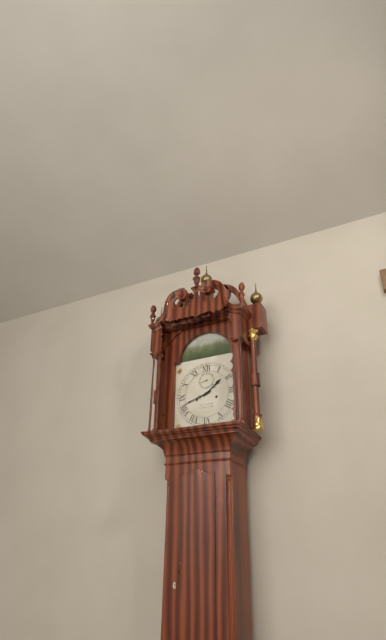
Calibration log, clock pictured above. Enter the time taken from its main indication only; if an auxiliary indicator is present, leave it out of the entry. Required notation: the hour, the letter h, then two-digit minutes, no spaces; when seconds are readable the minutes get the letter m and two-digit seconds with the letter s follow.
1h42
